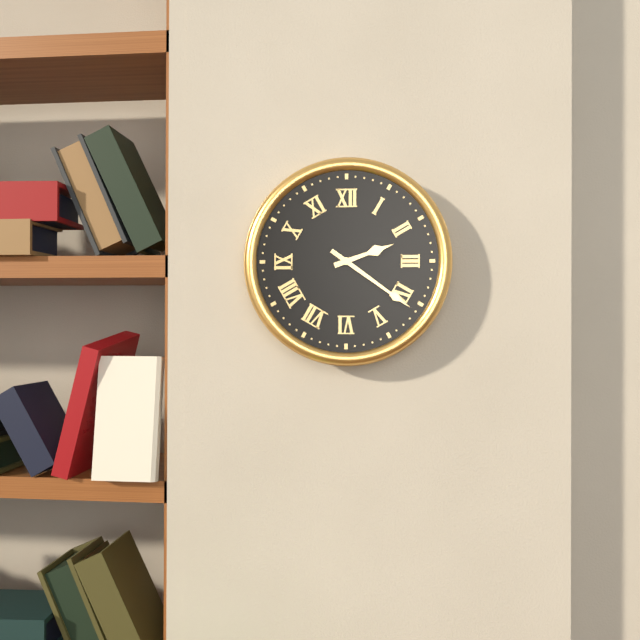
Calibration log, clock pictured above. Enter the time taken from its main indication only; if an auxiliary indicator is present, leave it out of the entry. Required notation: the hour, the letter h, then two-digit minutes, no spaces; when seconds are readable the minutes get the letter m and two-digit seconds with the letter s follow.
2h21
